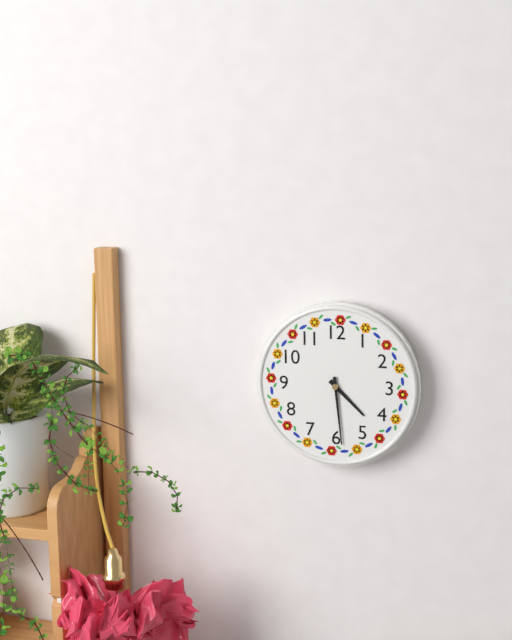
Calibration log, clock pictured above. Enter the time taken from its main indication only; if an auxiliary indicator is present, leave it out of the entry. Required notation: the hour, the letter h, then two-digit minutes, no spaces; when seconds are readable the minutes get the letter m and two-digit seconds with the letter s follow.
4h29
